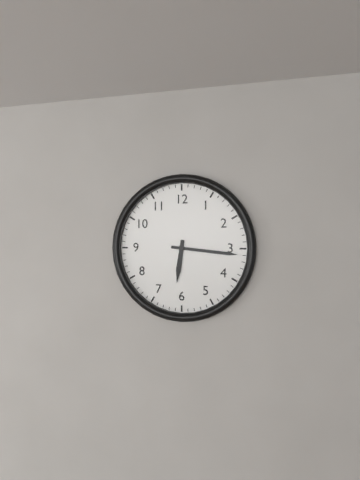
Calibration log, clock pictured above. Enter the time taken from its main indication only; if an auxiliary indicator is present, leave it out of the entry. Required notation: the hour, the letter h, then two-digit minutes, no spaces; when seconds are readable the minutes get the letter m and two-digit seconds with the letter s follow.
6h16
